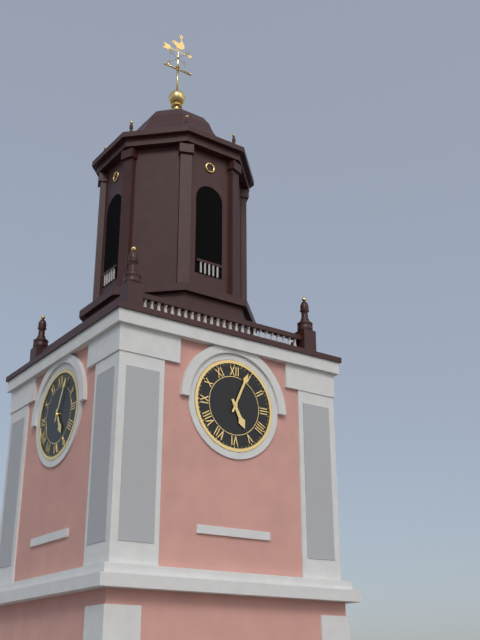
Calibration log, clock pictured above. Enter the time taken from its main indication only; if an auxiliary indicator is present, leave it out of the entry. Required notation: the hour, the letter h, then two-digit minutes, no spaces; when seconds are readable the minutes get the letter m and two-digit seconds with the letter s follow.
5h04
